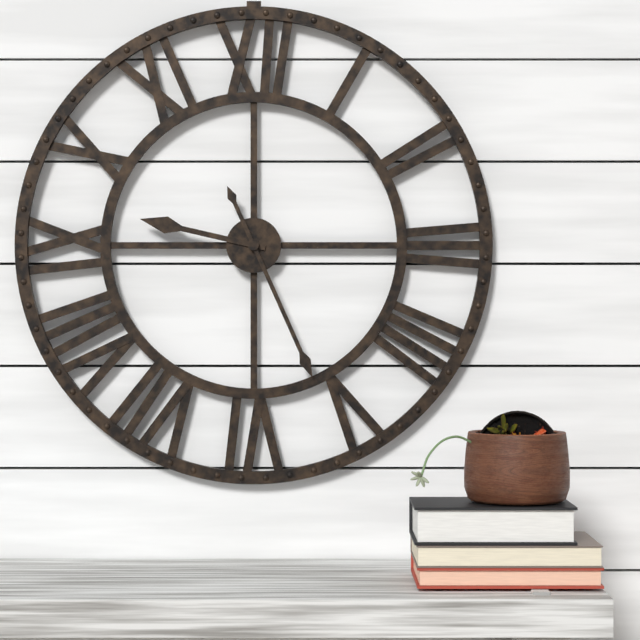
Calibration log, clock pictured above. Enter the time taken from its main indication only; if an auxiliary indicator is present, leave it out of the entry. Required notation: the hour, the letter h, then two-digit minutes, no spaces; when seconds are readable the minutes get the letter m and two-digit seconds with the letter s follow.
9h26
